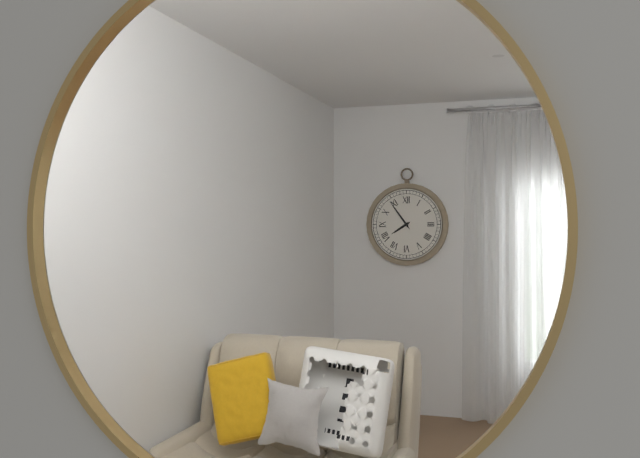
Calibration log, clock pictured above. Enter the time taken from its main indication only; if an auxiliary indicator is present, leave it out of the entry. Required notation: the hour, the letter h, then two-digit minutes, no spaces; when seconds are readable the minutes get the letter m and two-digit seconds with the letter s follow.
7h54
